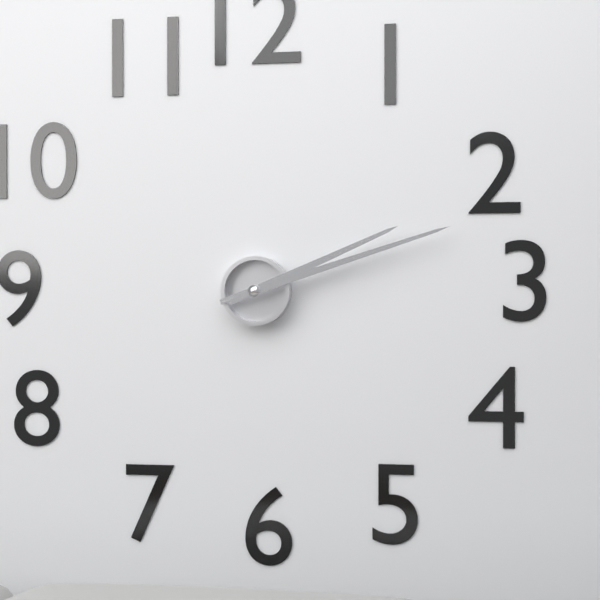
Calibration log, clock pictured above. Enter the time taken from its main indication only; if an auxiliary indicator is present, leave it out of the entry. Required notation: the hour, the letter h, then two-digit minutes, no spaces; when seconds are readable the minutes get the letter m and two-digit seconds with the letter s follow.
2h12
